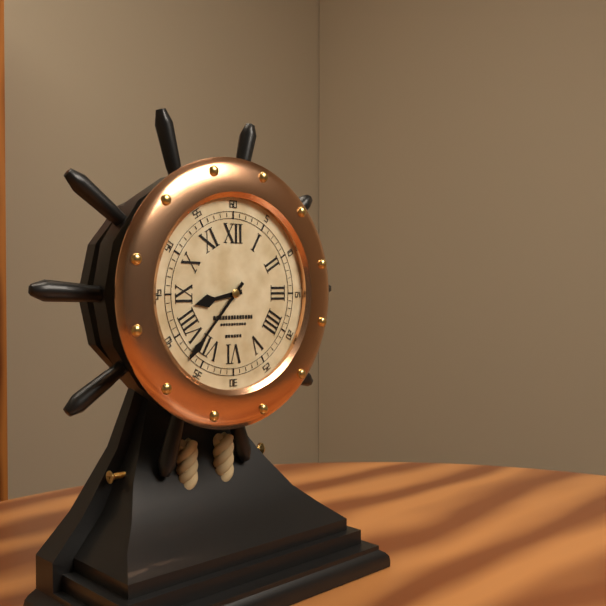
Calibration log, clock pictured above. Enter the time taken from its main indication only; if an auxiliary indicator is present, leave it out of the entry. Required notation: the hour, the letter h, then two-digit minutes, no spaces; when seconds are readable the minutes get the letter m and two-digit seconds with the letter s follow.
8h37
